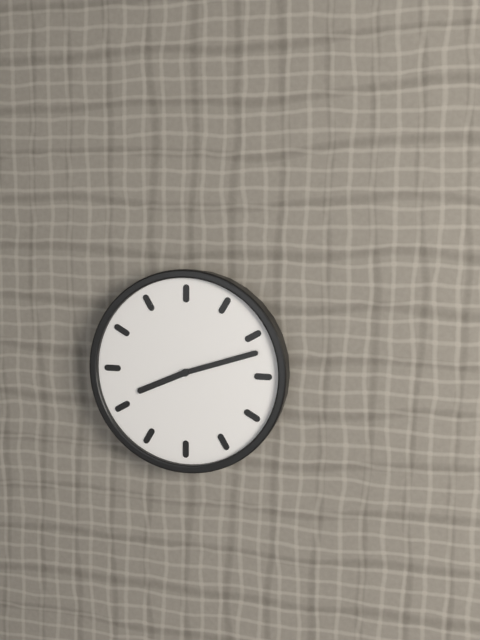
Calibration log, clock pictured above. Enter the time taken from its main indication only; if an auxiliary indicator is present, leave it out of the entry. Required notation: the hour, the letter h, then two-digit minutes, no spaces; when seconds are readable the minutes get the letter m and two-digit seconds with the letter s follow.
8h12
